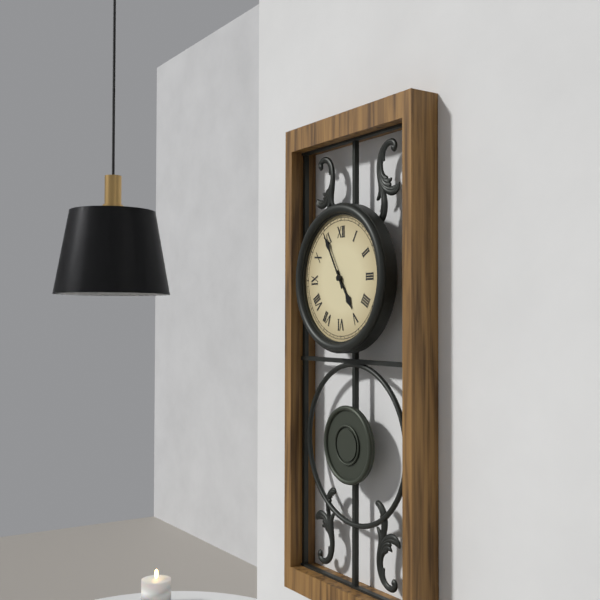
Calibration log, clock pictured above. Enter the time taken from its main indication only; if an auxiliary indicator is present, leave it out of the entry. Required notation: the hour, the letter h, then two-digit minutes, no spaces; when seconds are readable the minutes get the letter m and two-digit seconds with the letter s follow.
4h55
